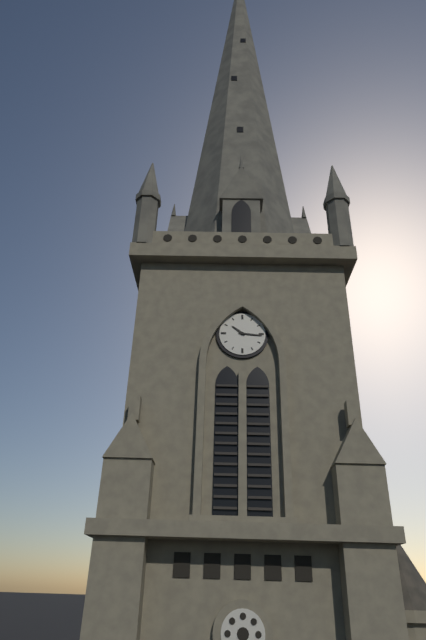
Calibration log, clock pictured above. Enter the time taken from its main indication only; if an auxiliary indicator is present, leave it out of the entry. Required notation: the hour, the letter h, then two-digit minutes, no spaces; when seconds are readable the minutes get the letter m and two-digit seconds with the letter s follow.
10h16
